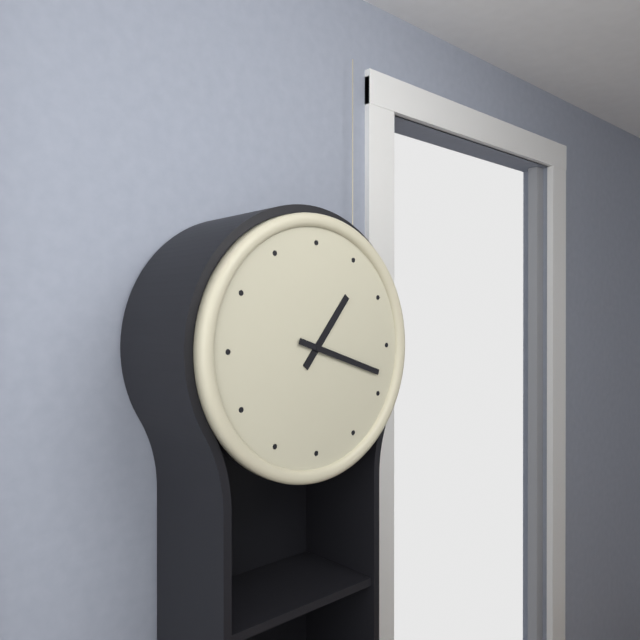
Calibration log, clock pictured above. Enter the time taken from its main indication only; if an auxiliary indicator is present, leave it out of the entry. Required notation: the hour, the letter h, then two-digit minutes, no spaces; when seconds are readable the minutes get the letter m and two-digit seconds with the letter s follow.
1h18
